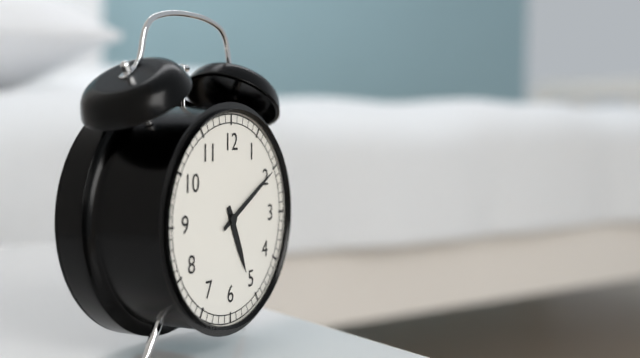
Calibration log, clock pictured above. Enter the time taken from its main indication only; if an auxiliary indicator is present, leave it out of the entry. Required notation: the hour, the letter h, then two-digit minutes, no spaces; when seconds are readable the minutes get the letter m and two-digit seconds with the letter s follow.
5h10
